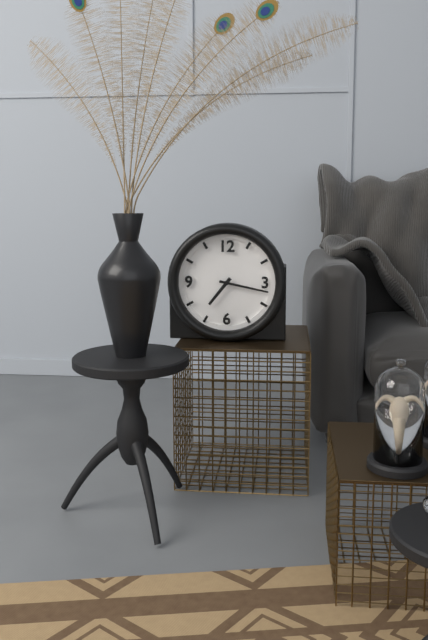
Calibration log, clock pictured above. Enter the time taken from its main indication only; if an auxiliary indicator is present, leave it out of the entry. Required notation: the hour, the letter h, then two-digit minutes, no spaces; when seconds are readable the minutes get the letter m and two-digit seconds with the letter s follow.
7h17
